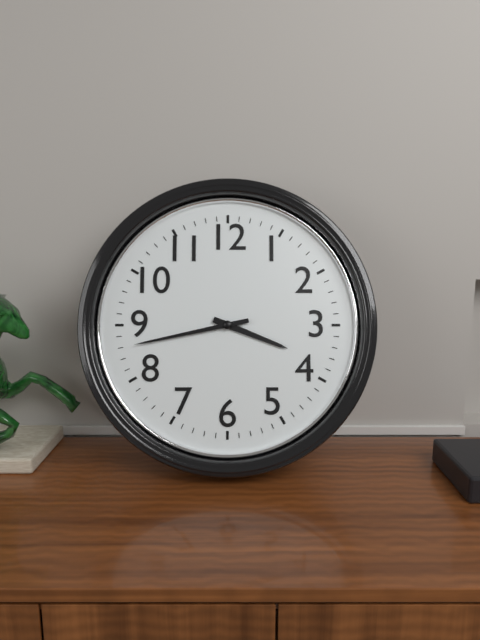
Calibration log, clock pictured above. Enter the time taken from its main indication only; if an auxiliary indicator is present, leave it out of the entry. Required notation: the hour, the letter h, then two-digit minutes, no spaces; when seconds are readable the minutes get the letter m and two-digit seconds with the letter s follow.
3h43
